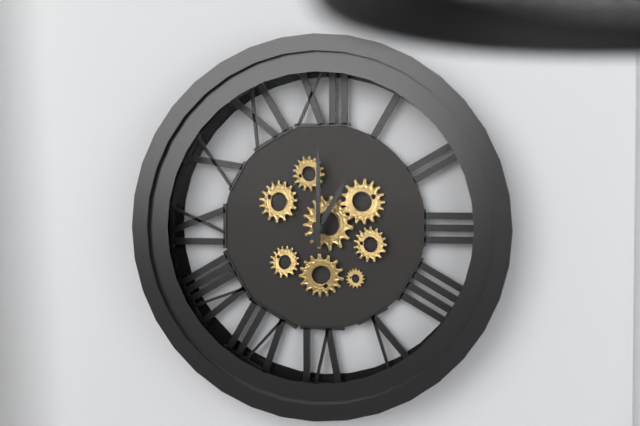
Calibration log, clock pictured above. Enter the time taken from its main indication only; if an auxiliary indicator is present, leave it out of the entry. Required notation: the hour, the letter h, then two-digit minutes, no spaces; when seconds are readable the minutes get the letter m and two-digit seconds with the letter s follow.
1h00
